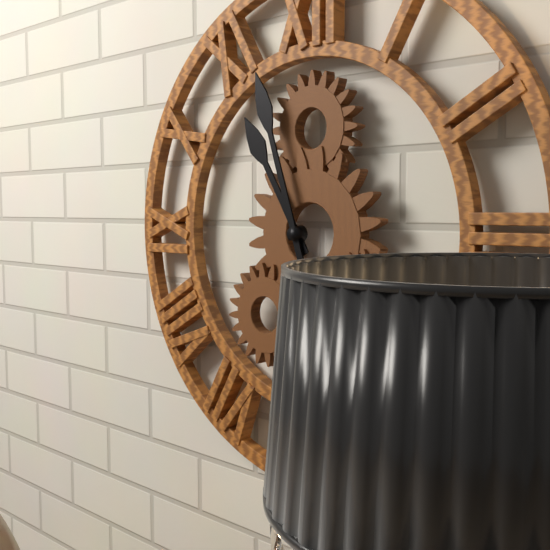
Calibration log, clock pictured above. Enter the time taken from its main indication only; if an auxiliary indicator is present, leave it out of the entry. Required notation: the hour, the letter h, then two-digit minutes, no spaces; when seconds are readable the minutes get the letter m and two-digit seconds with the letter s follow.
10h57
